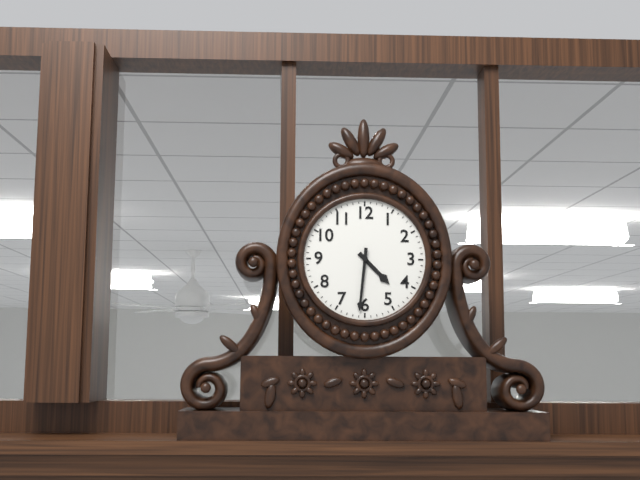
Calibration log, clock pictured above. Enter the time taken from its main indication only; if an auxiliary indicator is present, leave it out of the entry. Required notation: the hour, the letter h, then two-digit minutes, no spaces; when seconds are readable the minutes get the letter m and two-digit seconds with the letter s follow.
4h31
